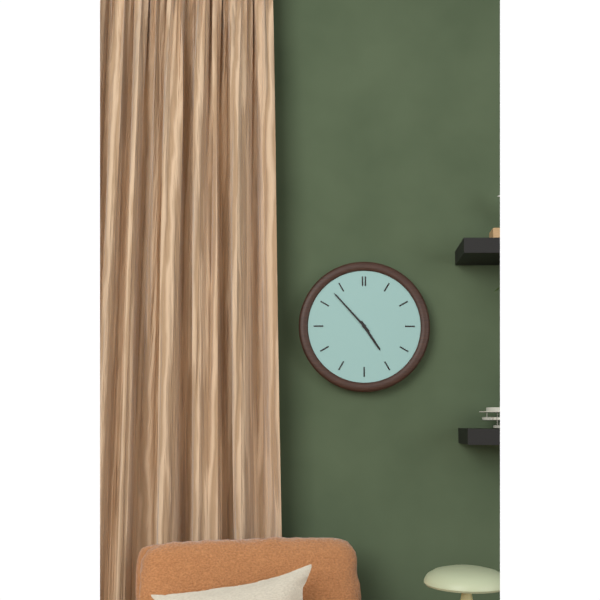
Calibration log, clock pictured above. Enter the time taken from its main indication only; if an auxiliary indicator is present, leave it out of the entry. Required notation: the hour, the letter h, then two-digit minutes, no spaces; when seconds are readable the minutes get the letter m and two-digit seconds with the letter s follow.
4h53
